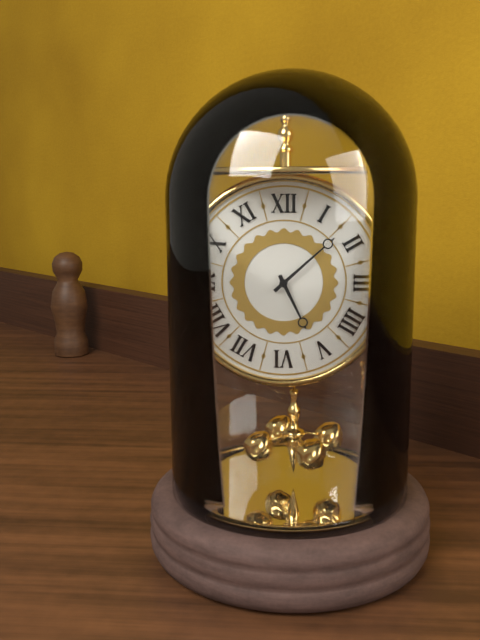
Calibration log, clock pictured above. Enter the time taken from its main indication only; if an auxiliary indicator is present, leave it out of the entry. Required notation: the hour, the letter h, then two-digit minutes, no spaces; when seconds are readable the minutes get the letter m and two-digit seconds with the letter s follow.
5h08
